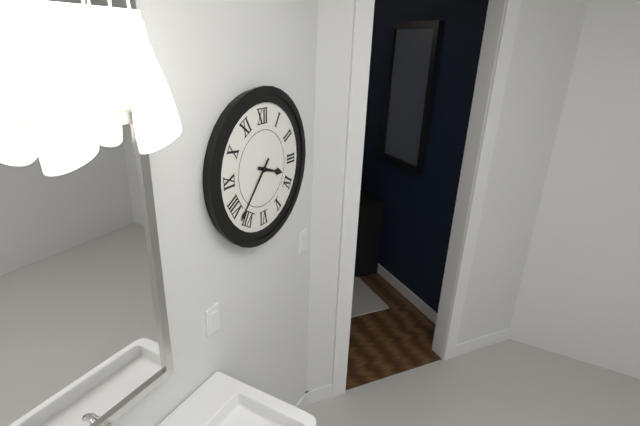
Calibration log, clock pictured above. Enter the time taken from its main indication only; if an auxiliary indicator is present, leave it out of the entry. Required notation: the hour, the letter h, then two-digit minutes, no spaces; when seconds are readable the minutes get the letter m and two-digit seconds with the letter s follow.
3h37
